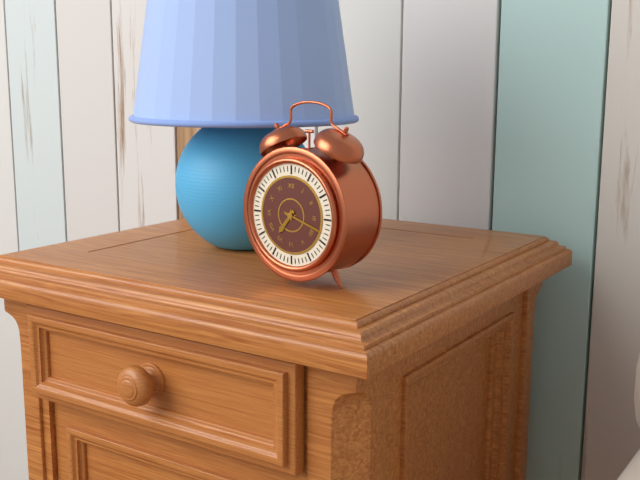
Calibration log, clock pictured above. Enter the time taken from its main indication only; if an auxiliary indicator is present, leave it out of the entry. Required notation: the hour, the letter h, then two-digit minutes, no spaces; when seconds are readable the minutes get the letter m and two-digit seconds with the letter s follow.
7h18
